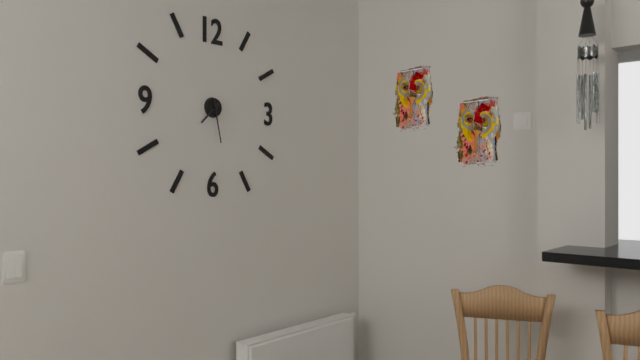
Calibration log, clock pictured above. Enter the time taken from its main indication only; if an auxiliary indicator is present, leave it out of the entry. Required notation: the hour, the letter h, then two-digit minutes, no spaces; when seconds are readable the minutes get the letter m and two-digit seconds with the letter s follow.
7h28
